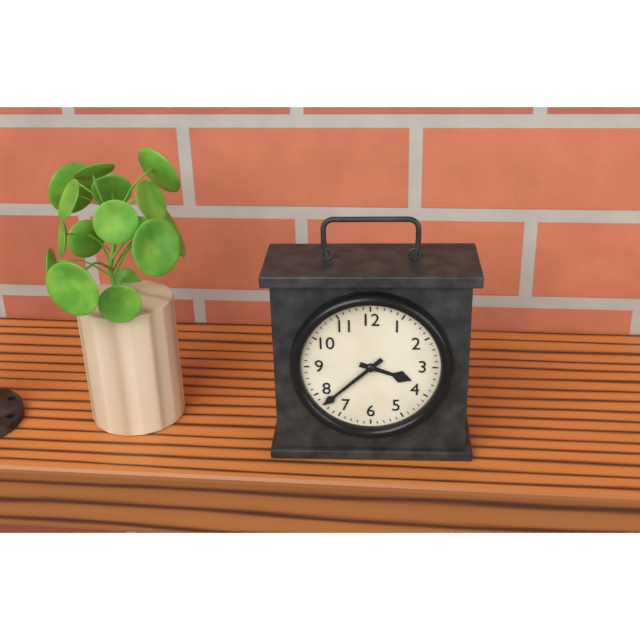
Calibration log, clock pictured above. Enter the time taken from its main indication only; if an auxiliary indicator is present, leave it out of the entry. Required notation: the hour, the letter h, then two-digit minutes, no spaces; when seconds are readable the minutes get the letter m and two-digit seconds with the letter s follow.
3h38
